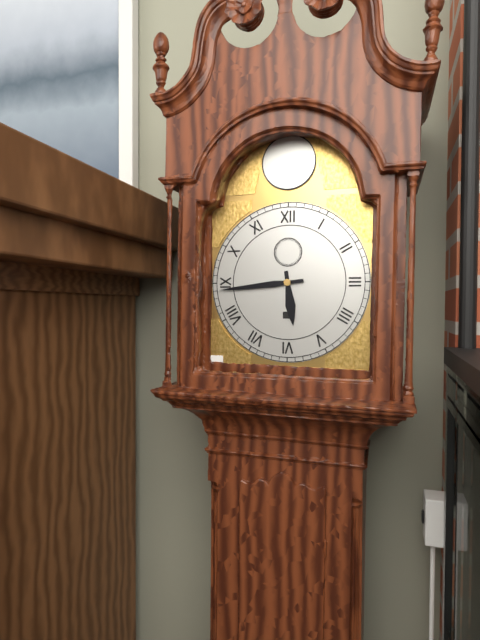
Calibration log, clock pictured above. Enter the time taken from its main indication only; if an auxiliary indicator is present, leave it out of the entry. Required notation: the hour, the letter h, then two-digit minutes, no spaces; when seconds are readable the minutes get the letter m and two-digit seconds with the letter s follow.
5h44
